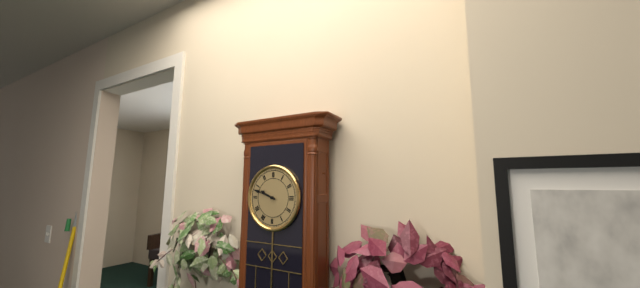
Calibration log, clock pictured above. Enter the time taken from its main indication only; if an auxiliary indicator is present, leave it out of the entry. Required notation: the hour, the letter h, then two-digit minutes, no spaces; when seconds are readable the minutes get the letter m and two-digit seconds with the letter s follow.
9h48
